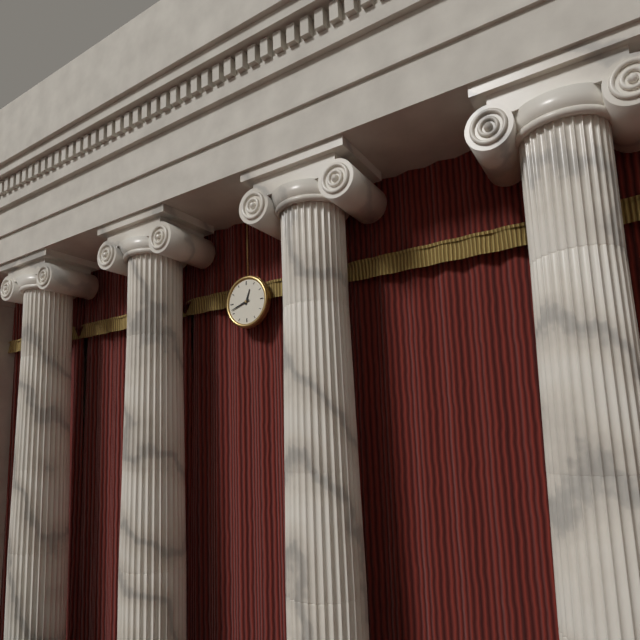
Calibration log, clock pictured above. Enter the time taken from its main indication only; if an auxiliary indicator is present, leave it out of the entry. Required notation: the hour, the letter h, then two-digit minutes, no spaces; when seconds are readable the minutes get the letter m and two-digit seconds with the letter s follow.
12h42
